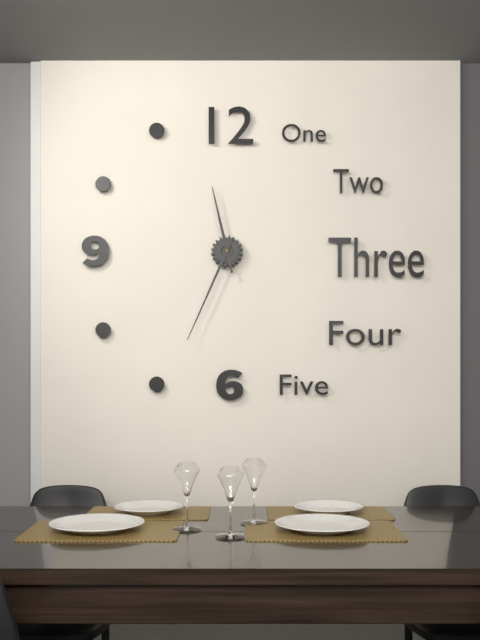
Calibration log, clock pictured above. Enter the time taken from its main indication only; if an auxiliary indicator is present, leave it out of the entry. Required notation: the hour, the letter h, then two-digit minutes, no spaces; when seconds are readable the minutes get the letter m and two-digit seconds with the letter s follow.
11h34
